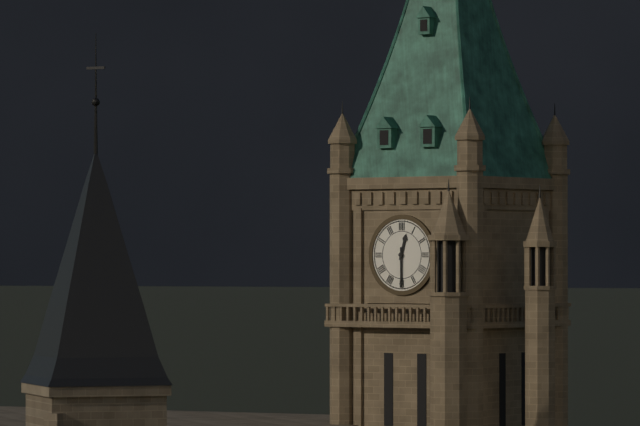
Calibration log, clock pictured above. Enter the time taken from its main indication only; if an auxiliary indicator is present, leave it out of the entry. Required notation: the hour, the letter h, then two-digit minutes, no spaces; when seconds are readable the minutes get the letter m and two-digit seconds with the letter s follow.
12h30
